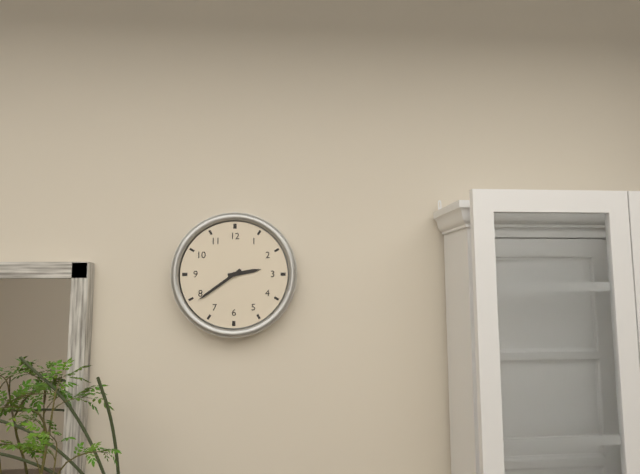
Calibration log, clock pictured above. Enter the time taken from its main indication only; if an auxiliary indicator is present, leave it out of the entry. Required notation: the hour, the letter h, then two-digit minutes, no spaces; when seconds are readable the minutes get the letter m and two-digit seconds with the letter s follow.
2h39
